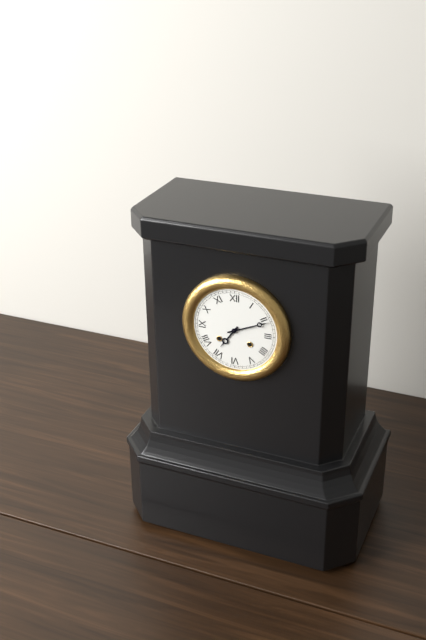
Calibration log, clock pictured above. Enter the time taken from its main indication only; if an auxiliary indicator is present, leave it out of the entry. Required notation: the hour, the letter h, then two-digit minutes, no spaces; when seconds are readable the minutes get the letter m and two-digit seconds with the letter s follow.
7h11
